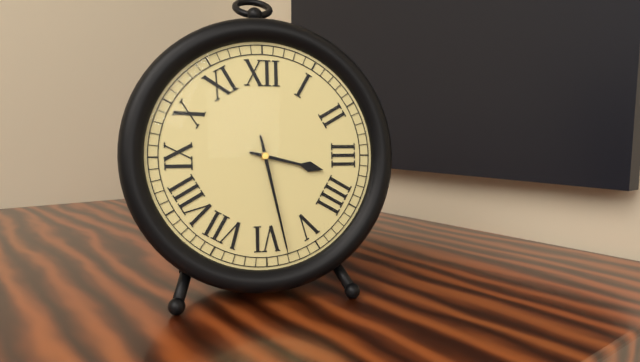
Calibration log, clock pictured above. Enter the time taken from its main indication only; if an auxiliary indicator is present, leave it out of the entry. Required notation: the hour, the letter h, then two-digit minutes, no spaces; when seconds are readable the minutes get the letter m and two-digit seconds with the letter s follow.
3h28
